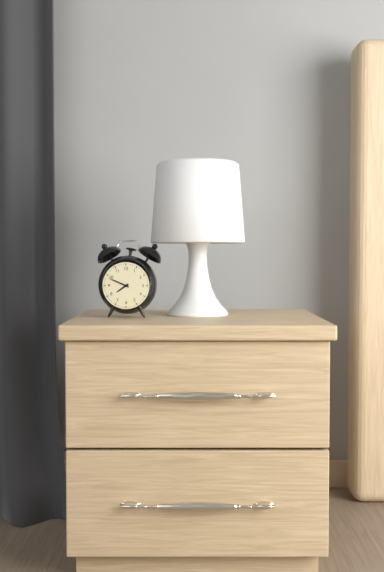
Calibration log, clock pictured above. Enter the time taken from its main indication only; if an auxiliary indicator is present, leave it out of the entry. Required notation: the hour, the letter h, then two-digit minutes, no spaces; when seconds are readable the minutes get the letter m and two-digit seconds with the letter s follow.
7h49
